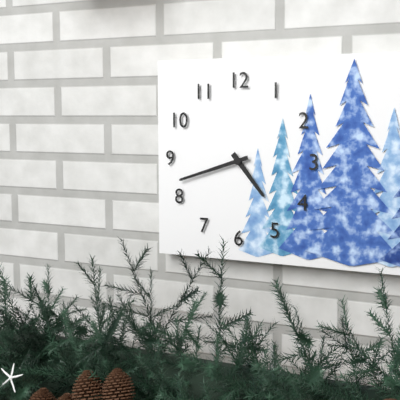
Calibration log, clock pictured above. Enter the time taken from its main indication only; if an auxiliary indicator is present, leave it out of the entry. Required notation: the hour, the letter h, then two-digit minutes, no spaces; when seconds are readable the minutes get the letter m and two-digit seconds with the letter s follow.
4h42
